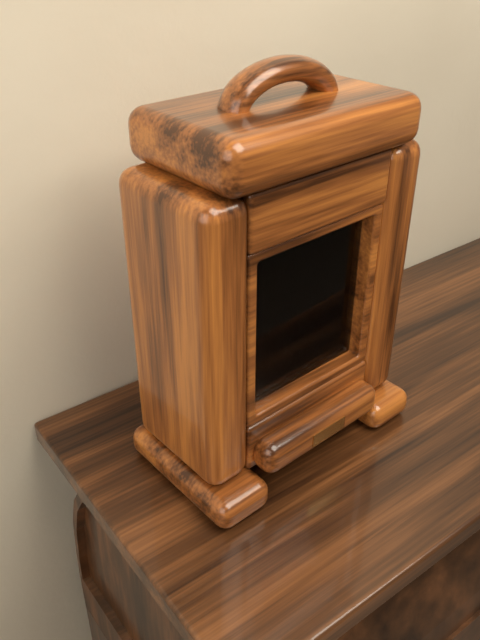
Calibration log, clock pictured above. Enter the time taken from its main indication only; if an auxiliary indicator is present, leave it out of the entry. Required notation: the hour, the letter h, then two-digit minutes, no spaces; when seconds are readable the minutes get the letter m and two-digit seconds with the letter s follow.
3h26
